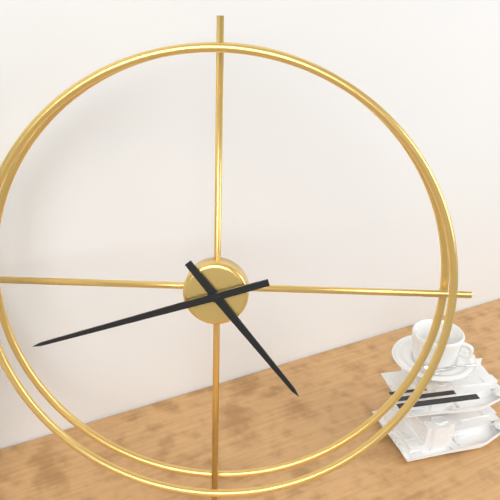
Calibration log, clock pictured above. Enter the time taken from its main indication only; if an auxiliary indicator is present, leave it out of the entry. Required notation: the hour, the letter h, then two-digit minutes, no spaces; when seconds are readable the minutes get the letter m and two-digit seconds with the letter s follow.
4h42
